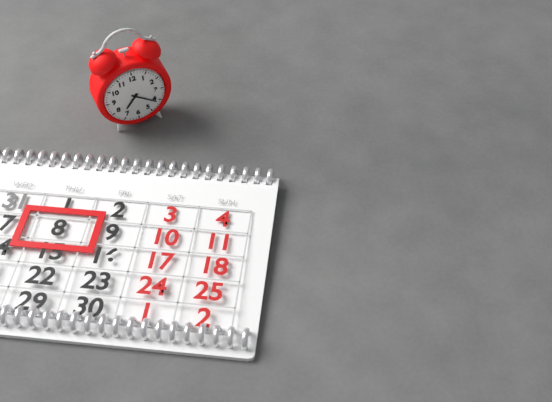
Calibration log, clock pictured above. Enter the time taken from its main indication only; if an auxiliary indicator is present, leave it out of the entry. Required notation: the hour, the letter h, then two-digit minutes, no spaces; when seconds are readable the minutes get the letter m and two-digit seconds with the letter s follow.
7h21
